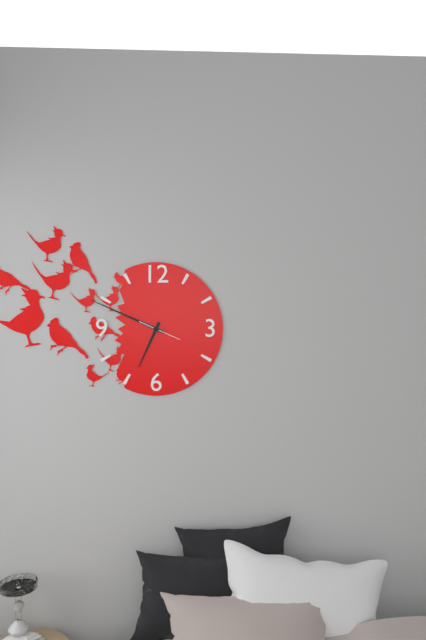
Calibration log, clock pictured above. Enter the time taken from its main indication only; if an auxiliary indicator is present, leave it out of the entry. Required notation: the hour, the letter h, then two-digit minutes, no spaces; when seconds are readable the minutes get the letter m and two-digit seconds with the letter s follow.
6h49
